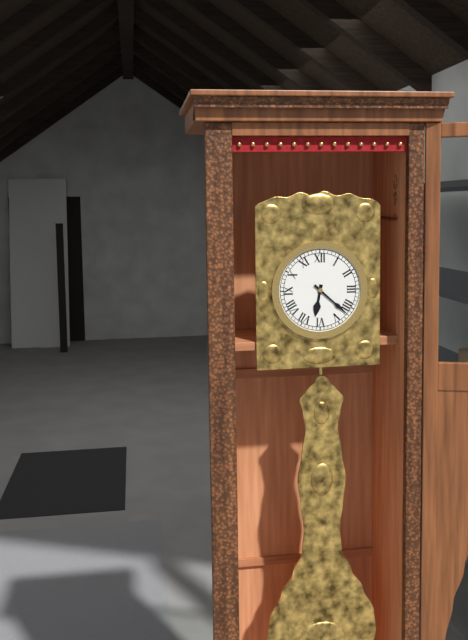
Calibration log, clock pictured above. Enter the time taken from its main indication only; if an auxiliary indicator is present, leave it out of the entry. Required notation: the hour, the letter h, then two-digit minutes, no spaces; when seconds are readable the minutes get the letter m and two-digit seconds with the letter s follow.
6h22
